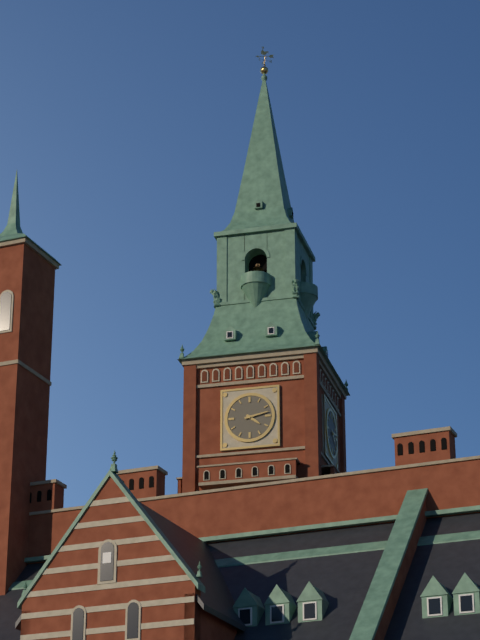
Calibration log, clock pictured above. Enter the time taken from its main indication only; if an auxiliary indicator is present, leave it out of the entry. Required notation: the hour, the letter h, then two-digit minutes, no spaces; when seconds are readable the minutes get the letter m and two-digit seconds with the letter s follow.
4h13
